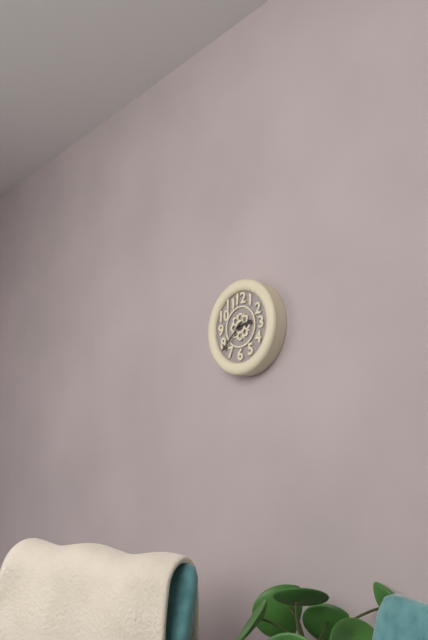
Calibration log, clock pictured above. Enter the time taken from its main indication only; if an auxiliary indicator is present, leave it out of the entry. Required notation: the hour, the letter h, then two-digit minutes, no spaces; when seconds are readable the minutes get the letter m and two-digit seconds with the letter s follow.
2h38
